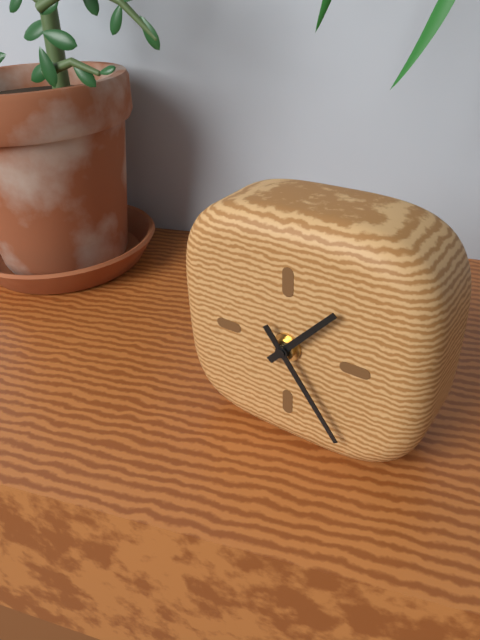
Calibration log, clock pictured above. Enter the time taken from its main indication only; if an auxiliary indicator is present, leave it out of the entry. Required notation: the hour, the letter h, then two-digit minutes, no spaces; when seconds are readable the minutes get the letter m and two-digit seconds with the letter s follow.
1h24
